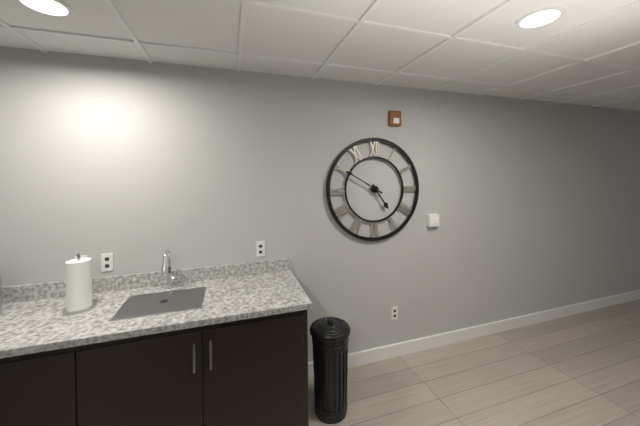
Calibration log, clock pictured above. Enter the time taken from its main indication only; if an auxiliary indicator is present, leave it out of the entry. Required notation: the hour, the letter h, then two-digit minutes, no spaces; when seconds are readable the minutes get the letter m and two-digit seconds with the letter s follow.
4h50
